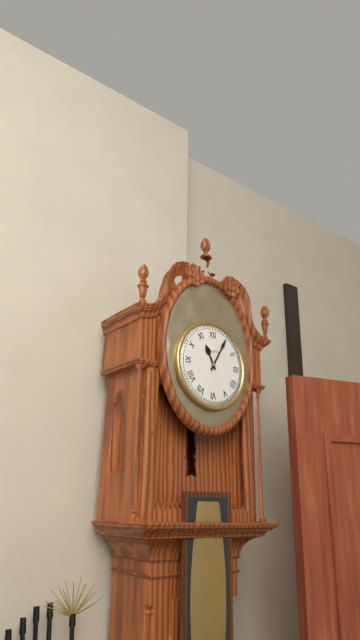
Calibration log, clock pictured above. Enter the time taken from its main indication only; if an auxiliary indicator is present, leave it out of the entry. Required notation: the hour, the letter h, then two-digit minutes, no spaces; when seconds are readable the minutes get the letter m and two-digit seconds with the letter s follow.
11h05
